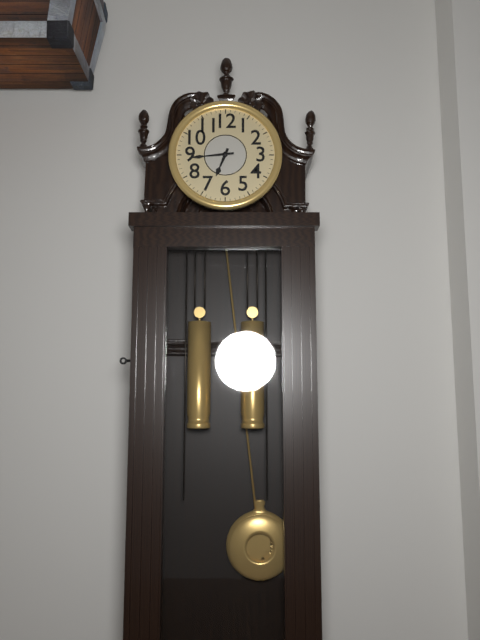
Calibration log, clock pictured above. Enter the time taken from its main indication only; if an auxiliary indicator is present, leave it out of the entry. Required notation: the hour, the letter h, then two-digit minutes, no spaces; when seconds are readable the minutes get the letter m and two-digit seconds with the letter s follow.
6h44
